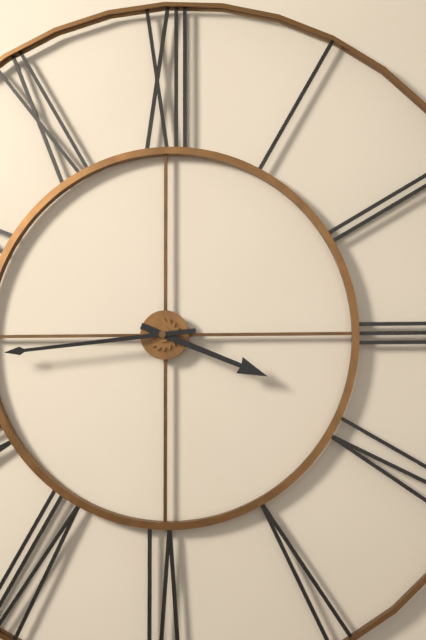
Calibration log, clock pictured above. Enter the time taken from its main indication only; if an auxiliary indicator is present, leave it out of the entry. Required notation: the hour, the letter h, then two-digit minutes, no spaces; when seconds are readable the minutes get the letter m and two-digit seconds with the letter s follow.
3h44
